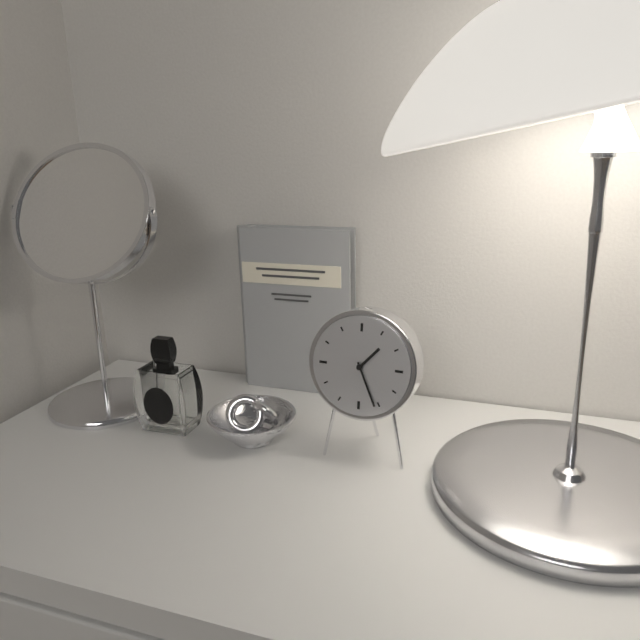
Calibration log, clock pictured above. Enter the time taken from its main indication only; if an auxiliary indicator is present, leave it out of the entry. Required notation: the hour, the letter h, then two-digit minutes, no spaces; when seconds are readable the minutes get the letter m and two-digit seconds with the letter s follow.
1h26
